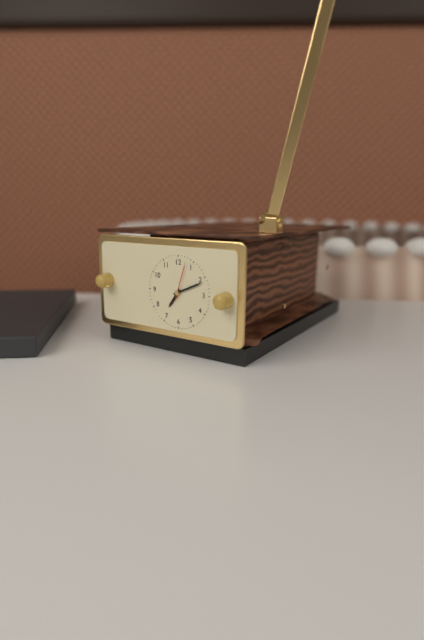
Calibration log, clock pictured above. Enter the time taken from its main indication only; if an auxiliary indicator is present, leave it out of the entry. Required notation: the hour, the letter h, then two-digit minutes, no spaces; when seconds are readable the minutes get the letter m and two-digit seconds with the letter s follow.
7h11
